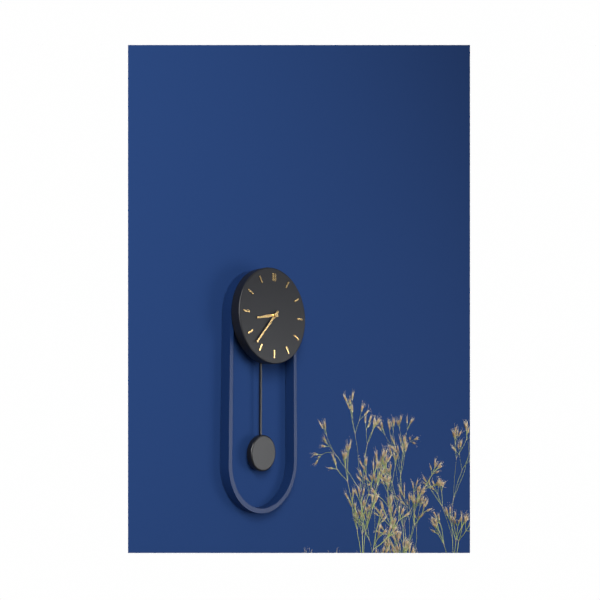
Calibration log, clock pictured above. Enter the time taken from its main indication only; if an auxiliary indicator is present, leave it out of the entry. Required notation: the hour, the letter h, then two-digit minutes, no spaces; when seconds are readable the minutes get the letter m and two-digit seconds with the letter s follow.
8h37
